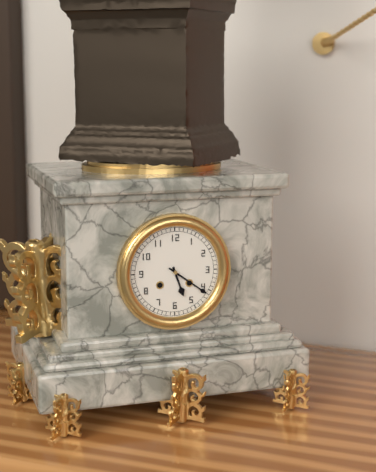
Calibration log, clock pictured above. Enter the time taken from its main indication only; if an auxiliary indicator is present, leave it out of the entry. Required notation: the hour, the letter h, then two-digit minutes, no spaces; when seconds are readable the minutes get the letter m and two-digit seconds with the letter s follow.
5h21
